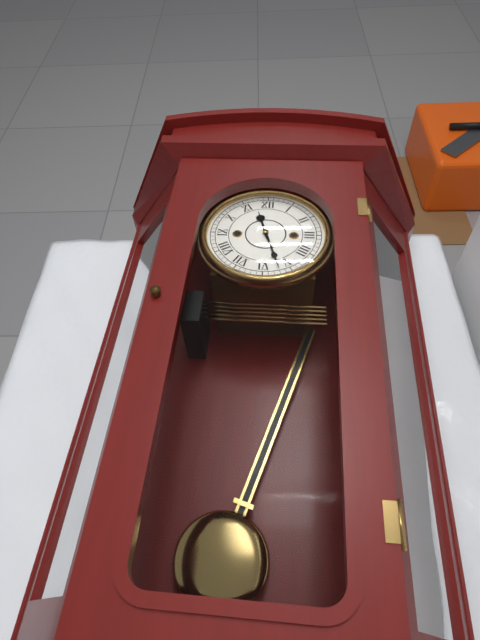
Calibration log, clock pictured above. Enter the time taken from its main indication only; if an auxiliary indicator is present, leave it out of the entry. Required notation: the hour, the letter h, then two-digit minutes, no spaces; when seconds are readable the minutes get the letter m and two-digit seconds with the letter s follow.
11h27
